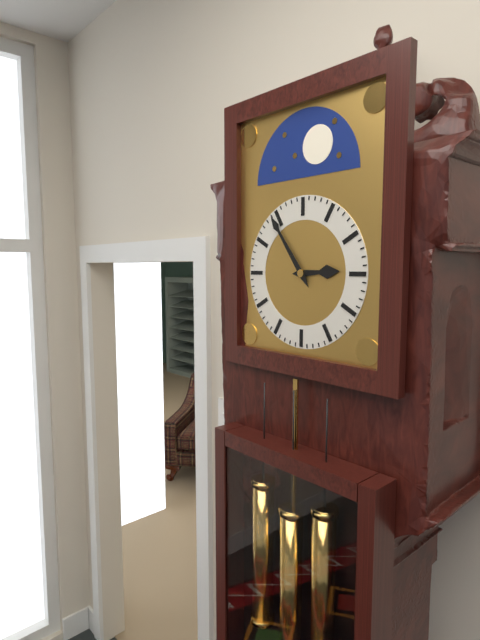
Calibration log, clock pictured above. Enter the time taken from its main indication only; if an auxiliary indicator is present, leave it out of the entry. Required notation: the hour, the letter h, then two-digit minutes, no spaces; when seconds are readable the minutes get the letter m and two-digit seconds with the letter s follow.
2h54
